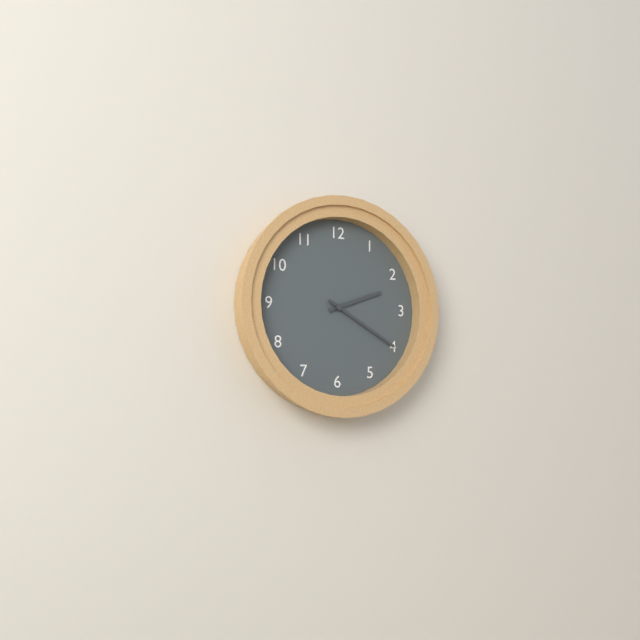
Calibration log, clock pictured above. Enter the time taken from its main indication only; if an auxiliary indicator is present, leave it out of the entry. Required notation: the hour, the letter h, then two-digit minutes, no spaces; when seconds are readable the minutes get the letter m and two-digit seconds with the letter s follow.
2h20
